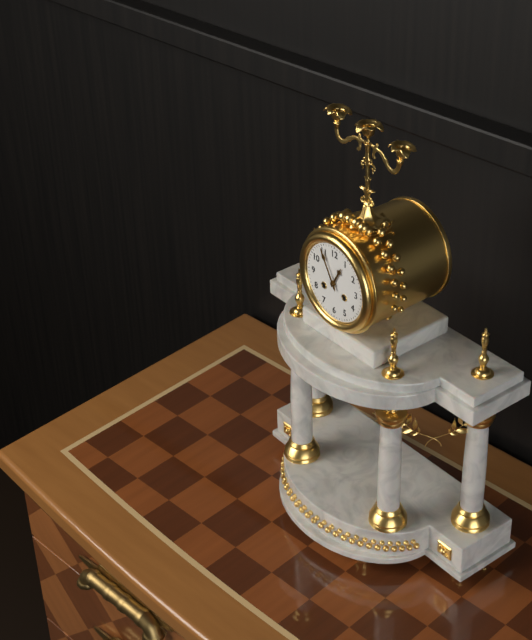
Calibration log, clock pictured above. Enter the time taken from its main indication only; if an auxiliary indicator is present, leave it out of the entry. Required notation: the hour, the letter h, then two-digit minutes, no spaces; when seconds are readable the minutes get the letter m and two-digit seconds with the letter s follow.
12h55
